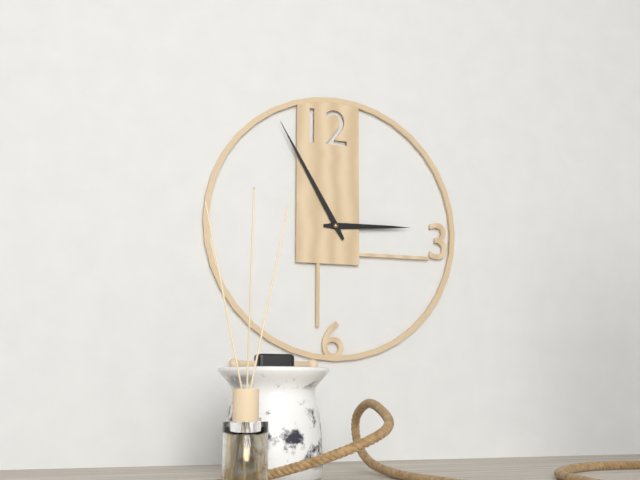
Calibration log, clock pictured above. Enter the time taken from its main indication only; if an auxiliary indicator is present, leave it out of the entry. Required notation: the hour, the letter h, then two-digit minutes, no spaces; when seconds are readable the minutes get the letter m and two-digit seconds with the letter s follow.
2h55
